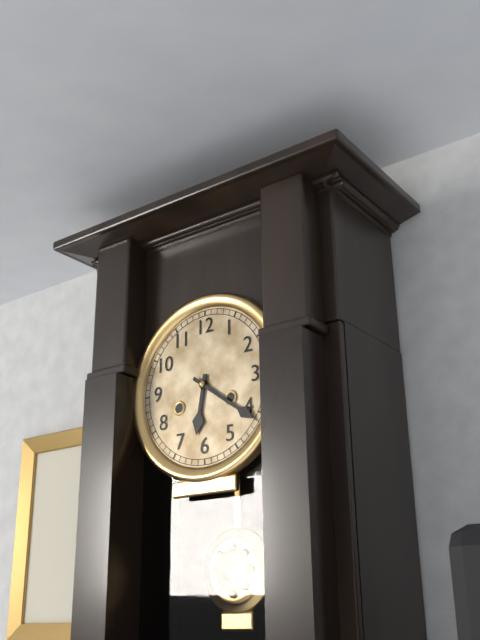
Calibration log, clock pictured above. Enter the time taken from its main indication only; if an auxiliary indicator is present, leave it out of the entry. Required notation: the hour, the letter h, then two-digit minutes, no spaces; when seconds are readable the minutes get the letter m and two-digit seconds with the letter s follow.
6h21
